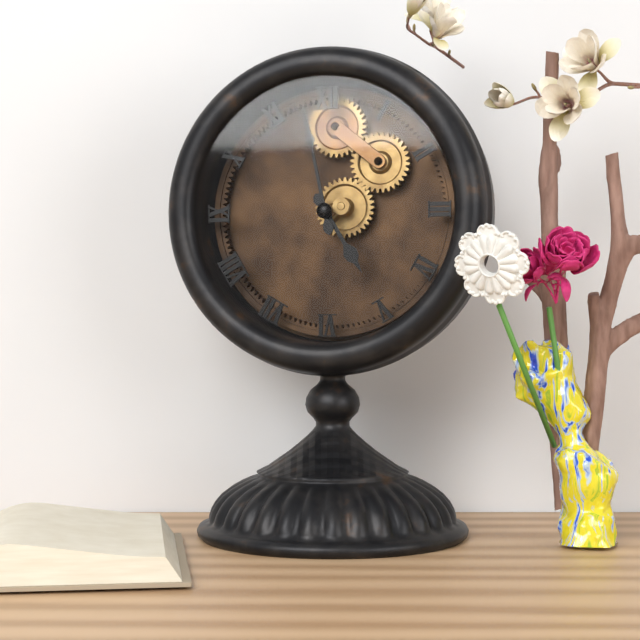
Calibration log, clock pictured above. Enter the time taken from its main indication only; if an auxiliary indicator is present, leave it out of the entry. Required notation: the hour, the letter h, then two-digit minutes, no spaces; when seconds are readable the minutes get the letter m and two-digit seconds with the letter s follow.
4h58
